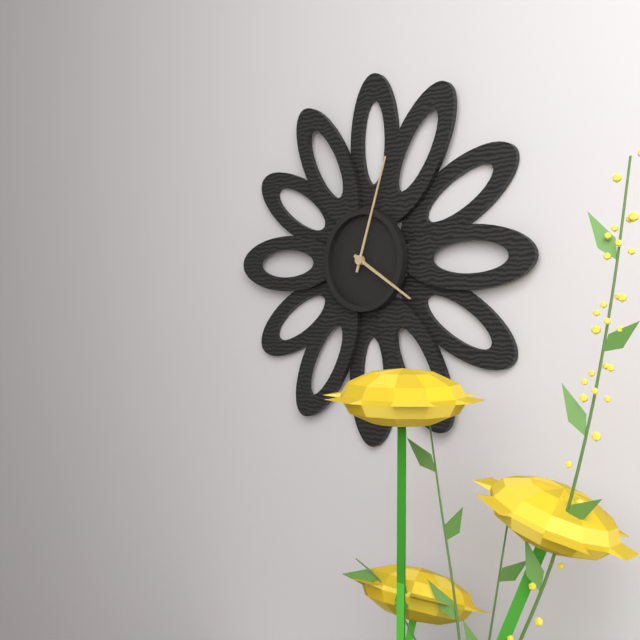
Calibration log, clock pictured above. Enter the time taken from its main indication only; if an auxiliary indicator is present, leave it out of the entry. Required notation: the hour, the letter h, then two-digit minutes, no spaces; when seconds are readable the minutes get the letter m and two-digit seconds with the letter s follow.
4h03
